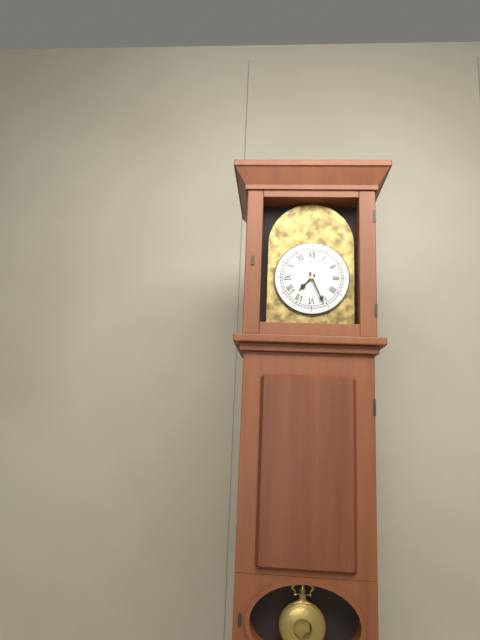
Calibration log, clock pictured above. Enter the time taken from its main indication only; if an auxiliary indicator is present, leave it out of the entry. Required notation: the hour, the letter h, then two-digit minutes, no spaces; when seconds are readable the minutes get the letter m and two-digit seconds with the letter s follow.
7h26
